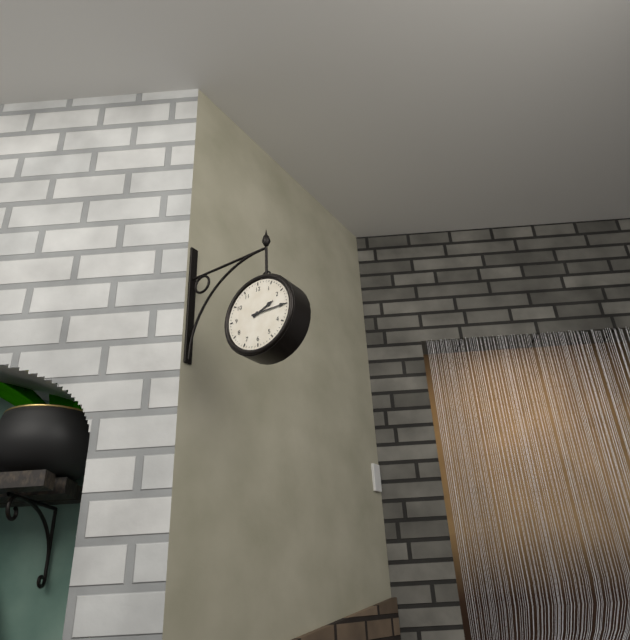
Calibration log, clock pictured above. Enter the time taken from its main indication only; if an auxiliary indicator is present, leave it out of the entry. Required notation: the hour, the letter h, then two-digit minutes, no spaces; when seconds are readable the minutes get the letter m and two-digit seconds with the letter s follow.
2h15
